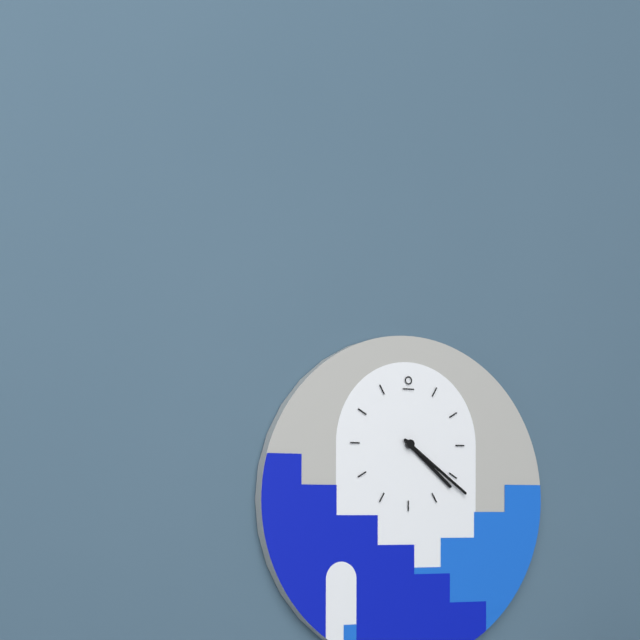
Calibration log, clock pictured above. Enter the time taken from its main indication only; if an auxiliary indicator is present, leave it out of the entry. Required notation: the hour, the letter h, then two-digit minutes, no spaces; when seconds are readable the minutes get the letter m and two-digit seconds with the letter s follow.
4h21
